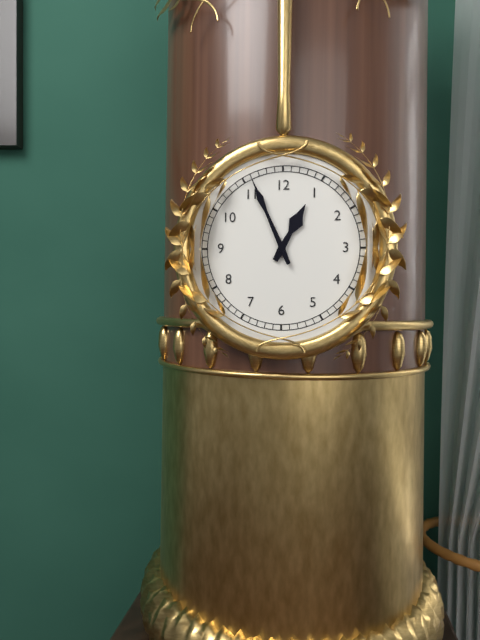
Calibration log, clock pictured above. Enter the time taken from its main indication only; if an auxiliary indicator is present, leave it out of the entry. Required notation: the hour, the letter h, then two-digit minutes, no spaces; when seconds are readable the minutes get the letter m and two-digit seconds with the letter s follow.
12h56
